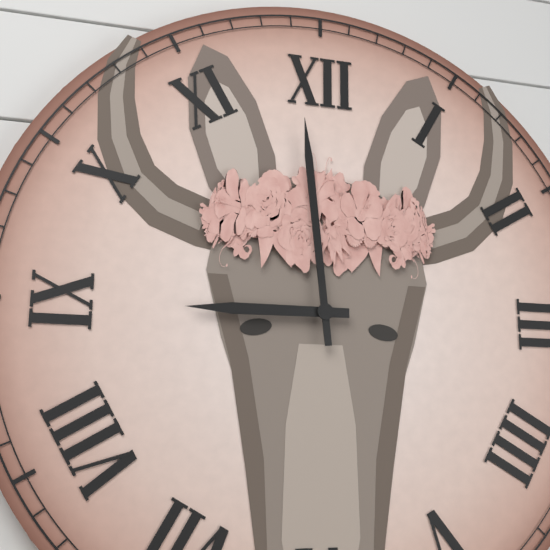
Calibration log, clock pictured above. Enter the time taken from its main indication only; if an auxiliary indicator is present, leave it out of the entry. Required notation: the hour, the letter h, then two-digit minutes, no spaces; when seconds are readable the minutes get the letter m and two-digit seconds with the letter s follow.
8h59
